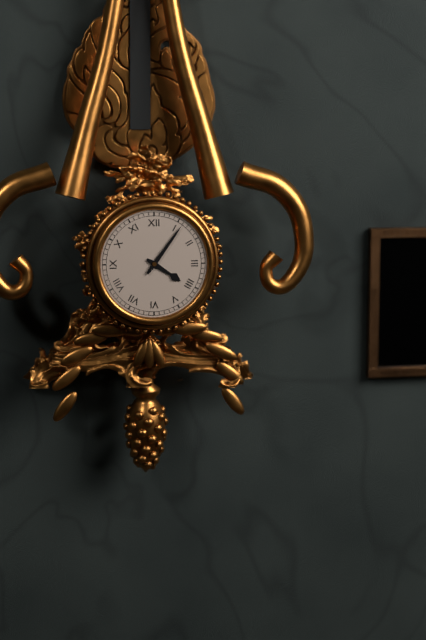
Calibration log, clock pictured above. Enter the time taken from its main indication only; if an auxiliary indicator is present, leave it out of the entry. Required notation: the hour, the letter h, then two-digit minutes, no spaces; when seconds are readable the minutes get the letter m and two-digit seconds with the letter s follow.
4h06
